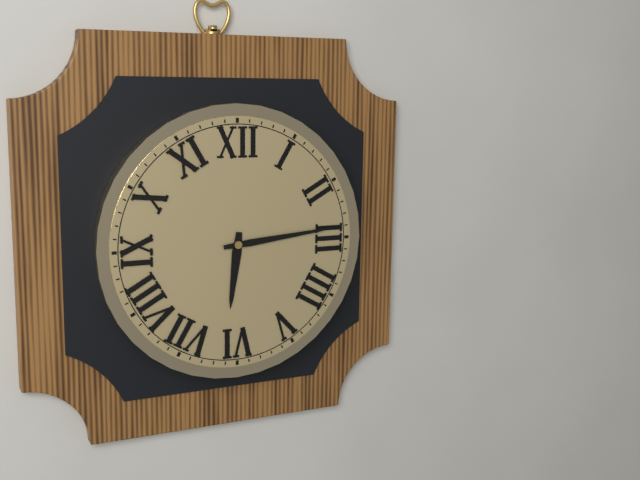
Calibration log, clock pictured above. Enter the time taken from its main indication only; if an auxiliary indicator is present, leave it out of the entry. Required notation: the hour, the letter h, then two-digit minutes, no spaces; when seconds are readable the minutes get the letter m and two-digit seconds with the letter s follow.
6h14
